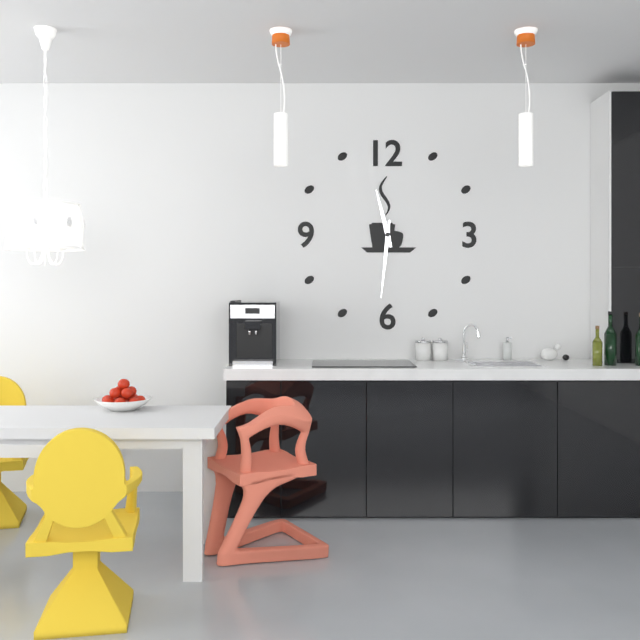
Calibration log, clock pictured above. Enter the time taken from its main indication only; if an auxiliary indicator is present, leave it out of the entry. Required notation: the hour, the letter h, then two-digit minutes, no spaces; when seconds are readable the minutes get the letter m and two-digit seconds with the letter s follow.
11h31
